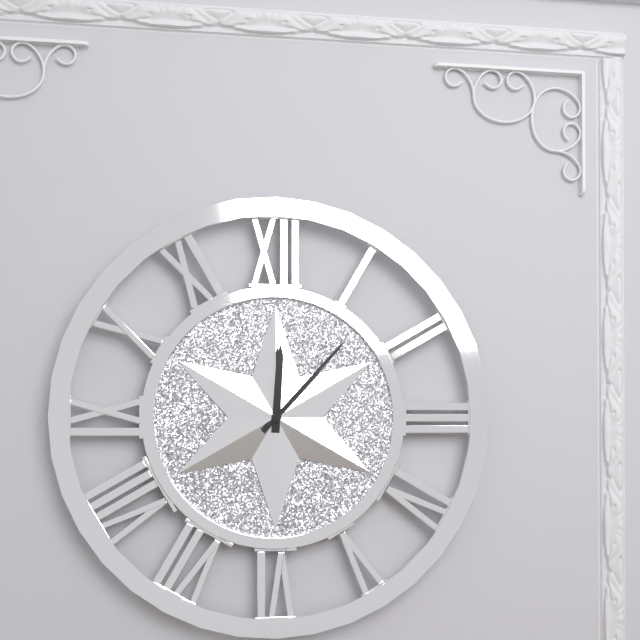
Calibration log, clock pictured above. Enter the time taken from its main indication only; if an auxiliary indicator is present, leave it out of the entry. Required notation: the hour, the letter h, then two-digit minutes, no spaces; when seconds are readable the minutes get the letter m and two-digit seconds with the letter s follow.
12h07
